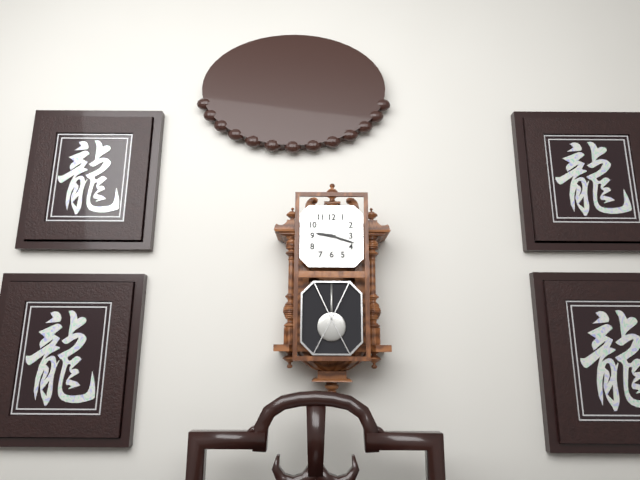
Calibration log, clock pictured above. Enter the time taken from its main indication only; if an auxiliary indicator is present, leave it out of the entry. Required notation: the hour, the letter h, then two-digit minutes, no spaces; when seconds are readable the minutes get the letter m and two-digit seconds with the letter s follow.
9h18
